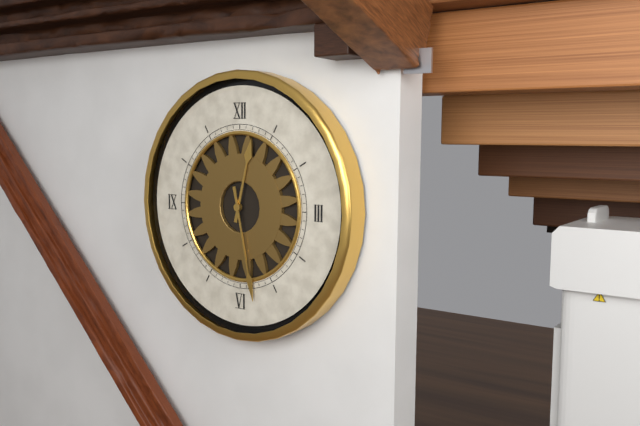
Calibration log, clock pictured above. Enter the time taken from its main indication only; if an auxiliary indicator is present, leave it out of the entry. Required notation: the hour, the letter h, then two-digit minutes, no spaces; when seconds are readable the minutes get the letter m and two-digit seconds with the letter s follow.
12h28
